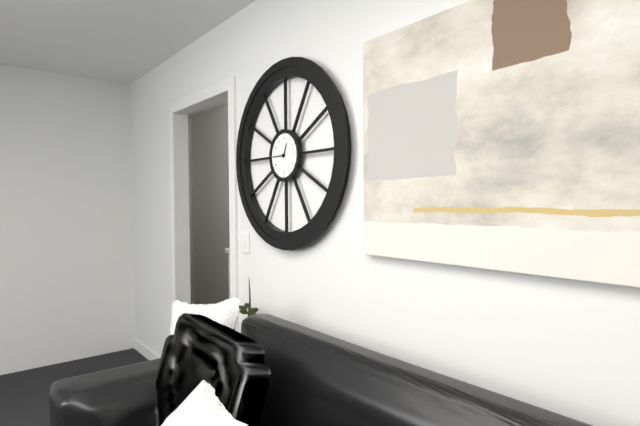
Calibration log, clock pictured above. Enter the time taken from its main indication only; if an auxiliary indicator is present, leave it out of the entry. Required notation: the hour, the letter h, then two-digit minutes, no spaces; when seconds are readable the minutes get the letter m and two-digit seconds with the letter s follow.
12h45
